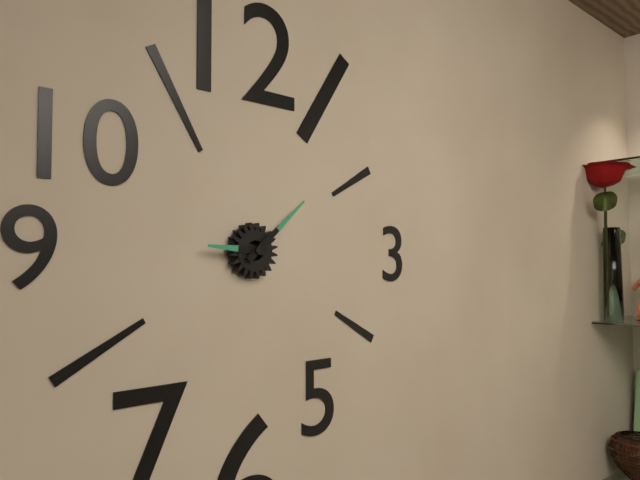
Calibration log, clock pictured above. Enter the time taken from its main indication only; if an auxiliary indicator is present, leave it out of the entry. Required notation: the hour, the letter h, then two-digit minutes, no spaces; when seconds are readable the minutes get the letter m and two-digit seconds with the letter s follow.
9h08
